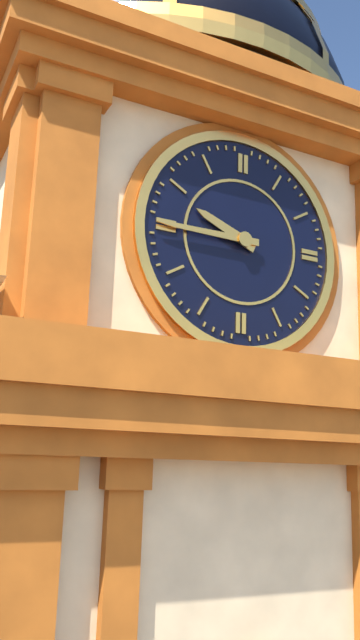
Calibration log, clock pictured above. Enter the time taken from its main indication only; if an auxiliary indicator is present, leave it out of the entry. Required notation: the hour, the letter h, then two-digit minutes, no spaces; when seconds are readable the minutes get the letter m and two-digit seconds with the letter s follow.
9h45
